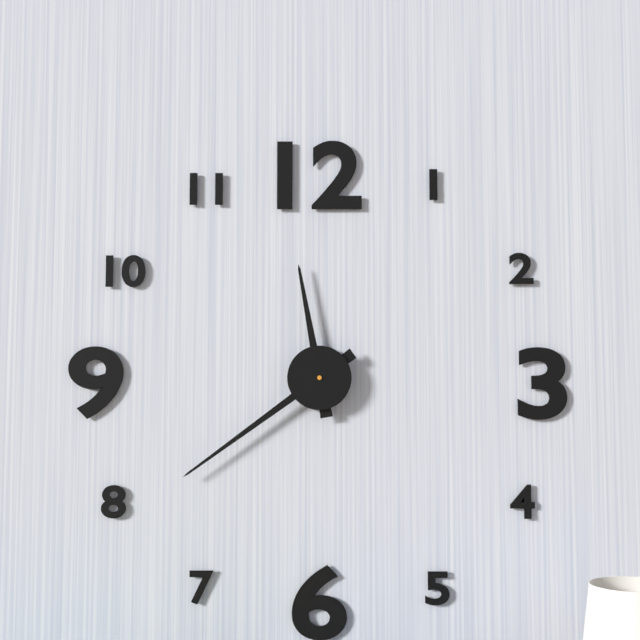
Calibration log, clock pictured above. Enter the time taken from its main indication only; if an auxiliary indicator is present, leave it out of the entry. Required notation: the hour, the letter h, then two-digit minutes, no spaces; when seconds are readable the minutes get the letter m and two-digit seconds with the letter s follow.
11h39
